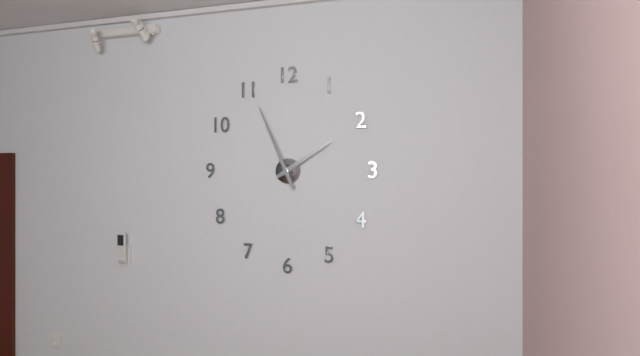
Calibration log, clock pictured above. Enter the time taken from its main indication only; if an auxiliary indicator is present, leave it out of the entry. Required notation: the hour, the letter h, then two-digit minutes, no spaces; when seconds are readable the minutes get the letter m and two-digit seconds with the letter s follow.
1h56
